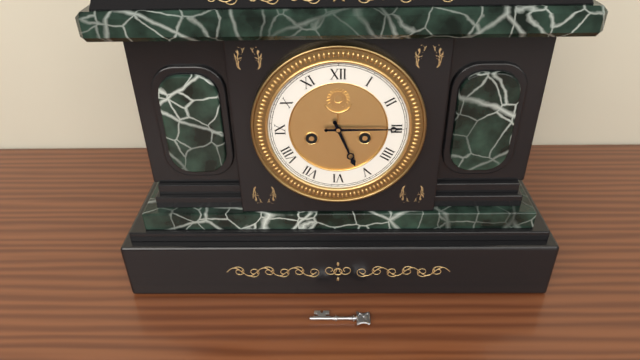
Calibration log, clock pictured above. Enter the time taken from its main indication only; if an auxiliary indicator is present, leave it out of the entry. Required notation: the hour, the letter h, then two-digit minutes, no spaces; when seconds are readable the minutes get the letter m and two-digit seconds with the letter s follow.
5h15
